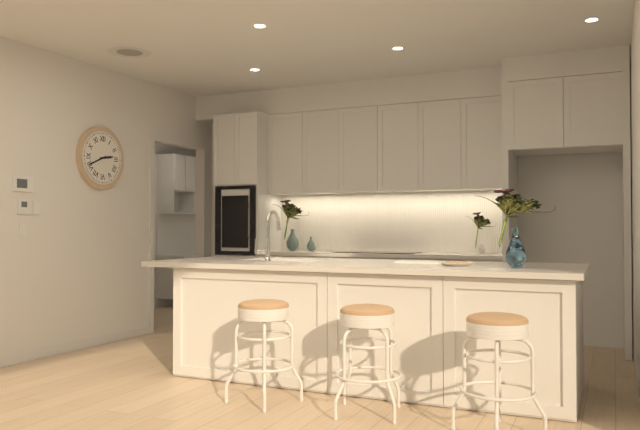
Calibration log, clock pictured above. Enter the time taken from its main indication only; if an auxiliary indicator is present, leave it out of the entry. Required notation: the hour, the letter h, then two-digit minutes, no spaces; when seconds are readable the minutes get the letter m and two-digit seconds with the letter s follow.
2h41
